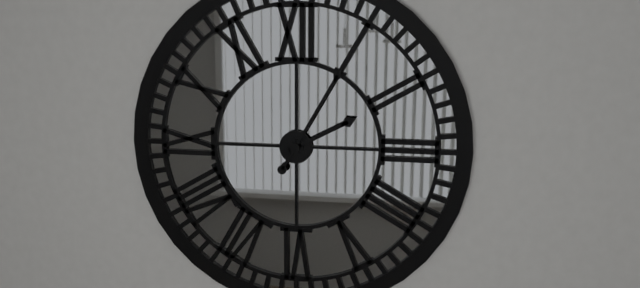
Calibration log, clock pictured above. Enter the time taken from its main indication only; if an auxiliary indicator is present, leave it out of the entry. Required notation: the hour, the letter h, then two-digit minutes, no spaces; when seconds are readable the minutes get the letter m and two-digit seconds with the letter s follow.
2h05
